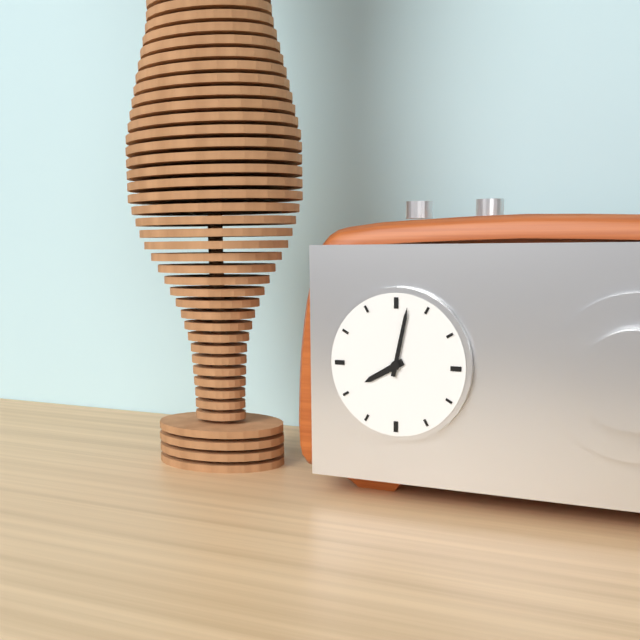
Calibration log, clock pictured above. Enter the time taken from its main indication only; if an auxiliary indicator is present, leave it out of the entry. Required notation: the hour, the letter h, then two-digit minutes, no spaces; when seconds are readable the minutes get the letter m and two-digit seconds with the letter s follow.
8h02
